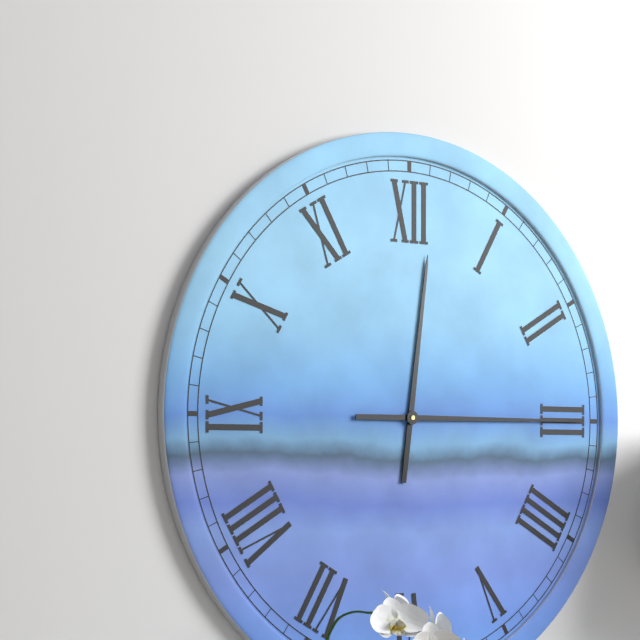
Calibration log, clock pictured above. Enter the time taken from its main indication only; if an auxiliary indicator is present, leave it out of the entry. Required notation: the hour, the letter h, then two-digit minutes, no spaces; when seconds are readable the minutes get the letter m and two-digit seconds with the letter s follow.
12h15
